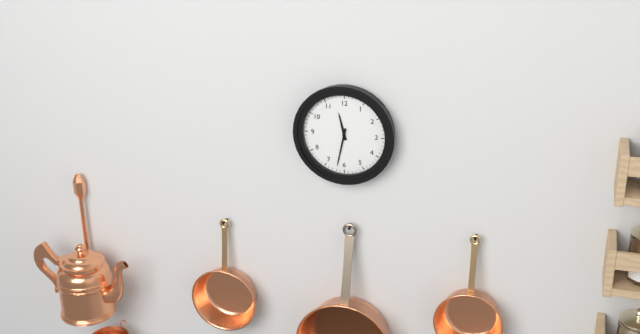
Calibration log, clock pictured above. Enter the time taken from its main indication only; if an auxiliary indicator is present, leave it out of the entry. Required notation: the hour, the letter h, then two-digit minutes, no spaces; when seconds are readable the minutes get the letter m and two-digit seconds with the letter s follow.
11h32
